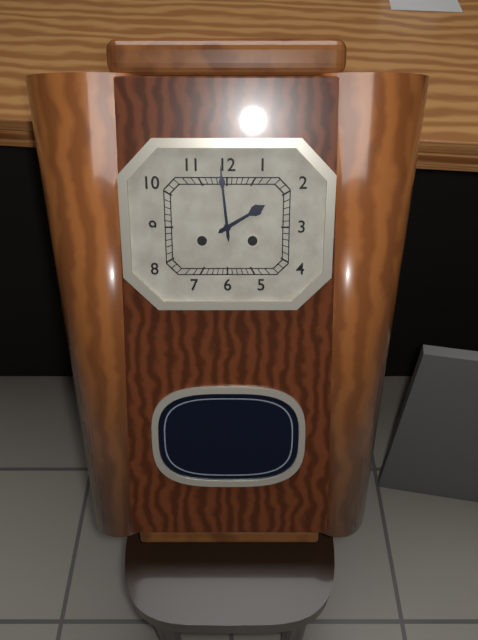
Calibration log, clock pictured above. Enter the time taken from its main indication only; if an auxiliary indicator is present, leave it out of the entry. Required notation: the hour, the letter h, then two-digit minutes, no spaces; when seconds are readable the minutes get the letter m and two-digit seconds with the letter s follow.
1h59
